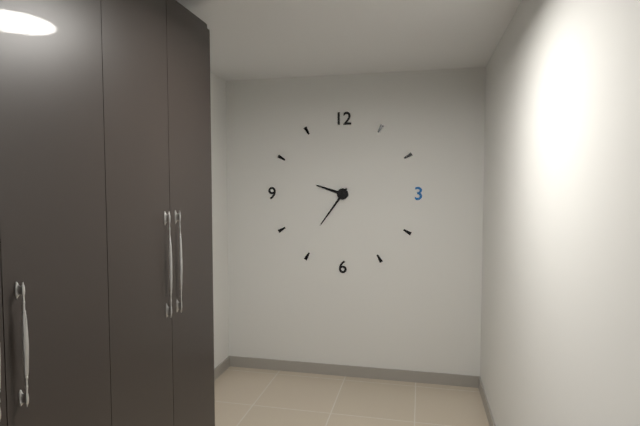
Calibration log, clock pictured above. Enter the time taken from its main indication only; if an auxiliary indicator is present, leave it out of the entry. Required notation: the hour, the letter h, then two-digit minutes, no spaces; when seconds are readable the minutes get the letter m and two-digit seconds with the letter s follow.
9h36
